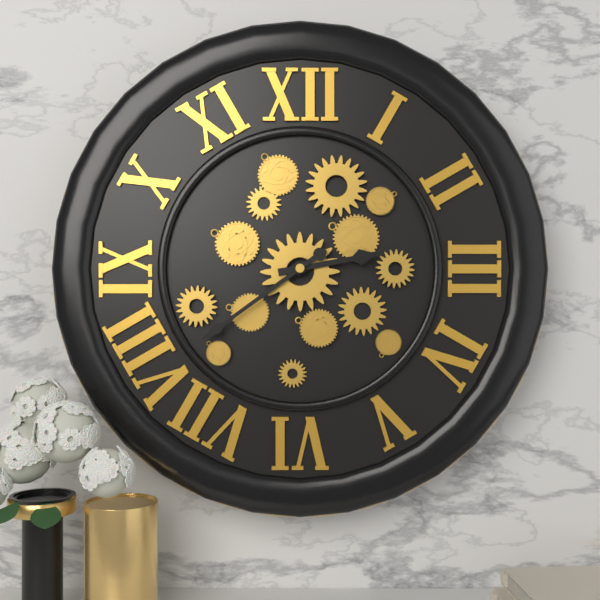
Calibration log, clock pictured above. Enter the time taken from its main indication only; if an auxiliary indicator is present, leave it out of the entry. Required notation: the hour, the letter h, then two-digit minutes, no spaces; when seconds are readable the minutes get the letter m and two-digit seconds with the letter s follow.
2h39
